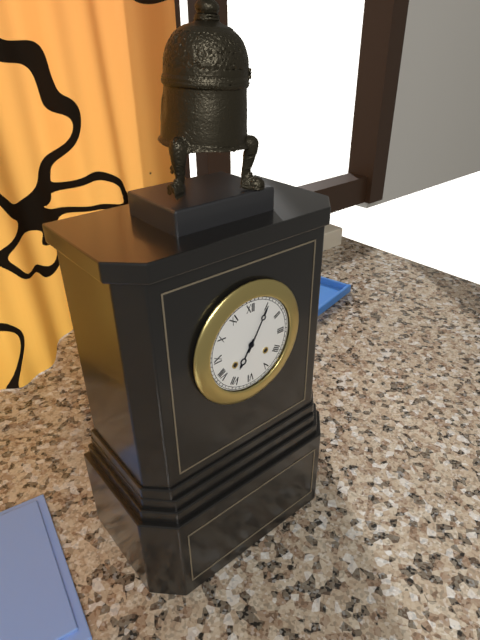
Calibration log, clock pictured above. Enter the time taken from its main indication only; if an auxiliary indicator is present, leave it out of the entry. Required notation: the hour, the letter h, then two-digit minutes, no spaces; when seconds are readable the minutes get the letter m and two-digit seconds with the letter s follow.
7h05
